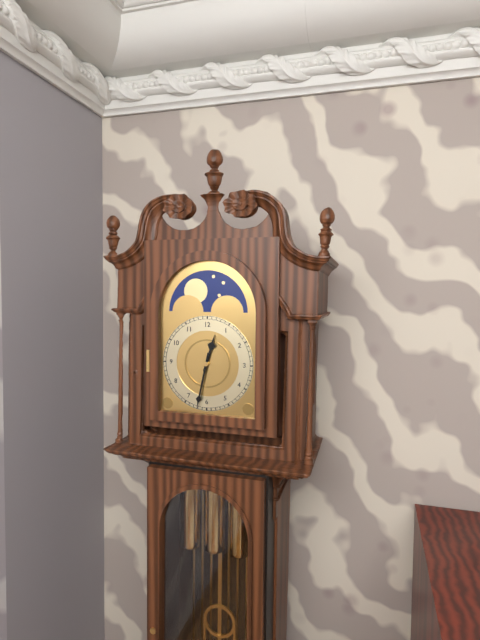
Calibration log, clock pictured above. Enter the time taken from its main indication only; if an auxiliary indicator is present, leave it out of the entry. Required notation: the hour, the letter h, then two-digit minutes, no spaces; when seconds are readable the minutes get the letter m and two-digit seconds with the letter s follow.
12h32
